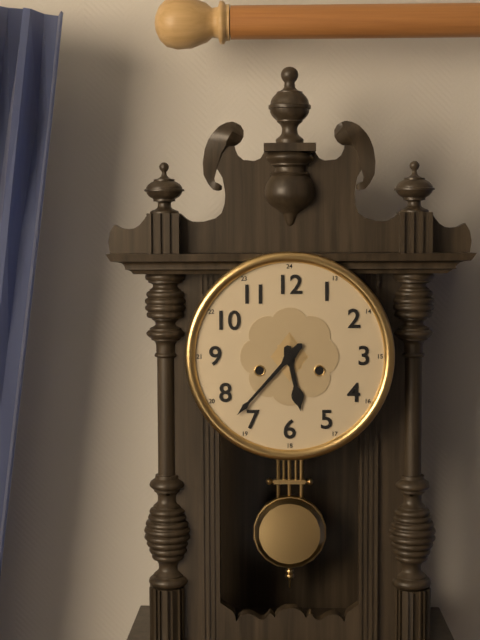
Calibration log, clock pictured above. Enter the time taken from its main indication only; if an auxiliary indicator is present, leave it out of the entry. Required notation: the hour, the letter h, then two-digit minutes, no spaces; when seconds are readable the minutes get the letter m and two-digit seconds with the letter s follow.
5h37
